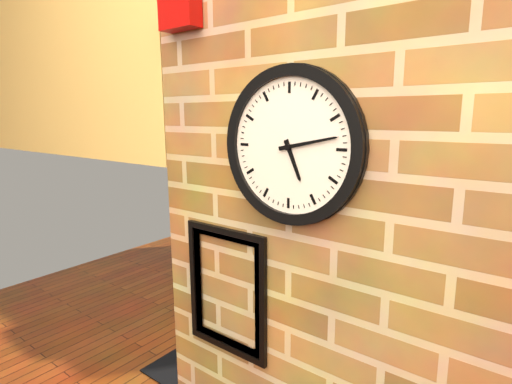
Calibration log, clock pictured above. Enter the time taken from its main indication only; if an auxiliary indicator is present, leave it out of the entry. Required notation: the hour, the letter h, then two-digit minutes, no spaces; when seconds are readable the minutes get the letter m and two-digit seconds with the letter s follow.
5h13
